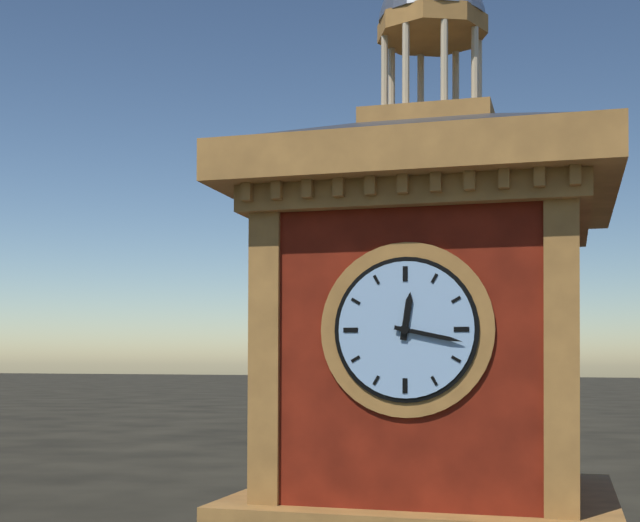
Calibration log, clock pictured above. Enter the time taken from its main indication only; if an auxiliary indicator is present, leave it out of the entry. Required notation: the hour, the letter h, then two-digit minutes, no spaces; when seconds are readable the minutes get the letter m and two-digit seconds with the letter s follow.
12h17
